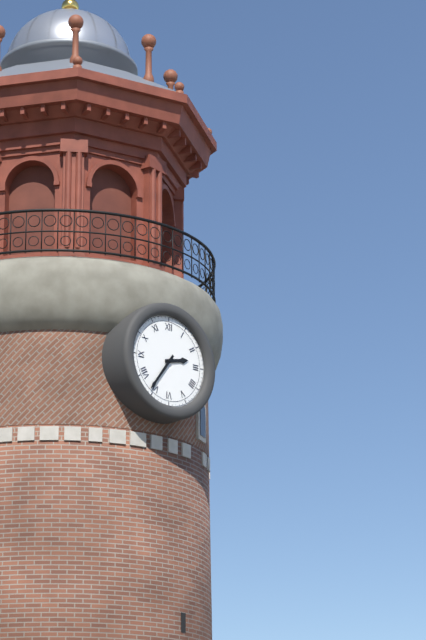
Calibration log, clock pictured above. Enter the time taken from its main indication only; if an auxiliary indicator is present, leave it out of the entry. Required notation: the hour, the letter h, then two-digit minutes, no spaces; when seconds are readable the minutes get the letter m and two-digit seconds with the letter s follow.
2h36
